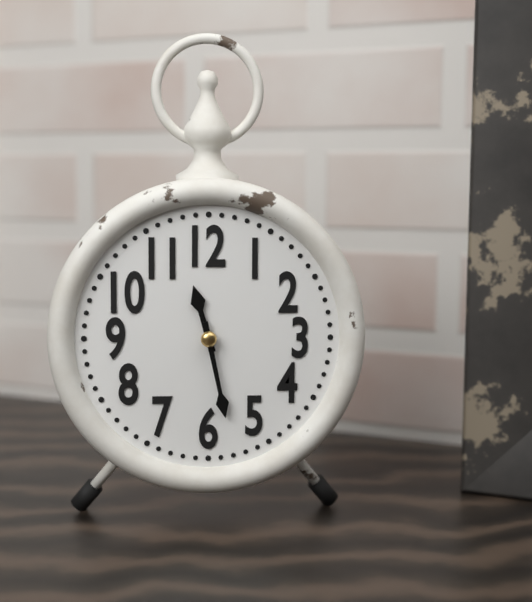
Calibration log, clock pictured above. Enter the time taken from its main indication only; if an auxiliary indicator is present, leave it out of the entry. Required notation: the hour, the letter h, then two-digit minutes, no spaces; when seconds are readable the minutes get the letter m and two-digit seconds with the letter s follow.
11h28
